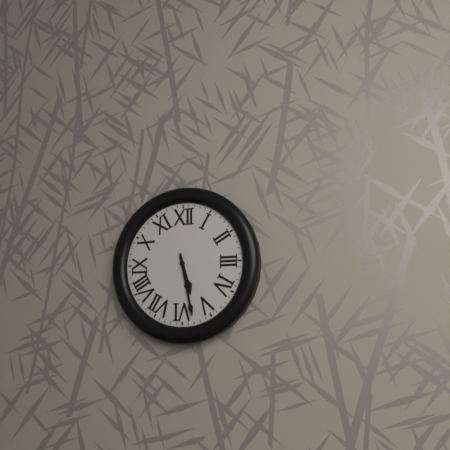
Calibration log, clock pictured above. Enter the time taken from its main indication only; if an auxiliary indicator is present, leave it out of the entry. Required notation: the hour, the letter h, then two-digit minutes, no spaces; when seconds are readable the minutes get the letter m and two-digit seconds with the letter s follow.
5h28
